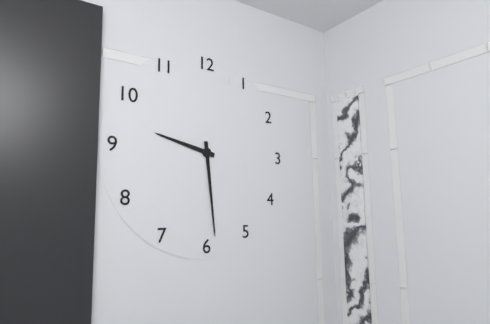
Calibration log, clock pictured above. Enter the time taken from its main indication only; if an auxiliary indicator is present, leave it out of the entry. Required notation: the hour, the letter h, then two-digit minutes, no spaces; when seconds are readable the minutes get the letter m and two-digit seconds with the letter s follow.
9h29
